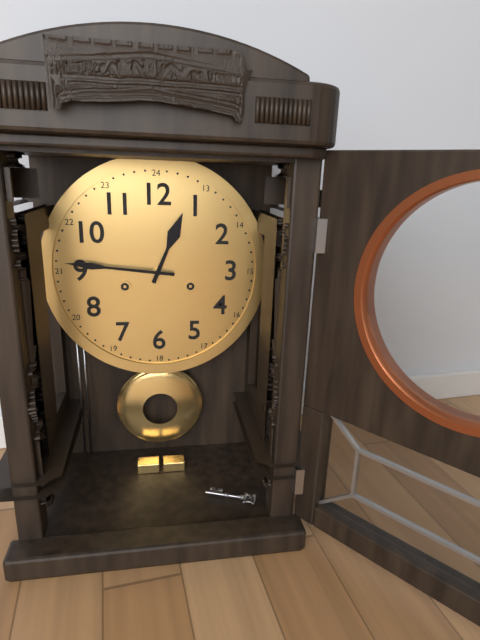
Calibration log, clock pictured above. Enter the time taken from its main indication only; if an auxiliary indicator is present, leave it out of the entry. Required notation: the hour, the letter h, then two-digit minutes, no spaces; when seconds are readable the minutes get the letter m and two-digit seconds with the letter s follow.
12h46
